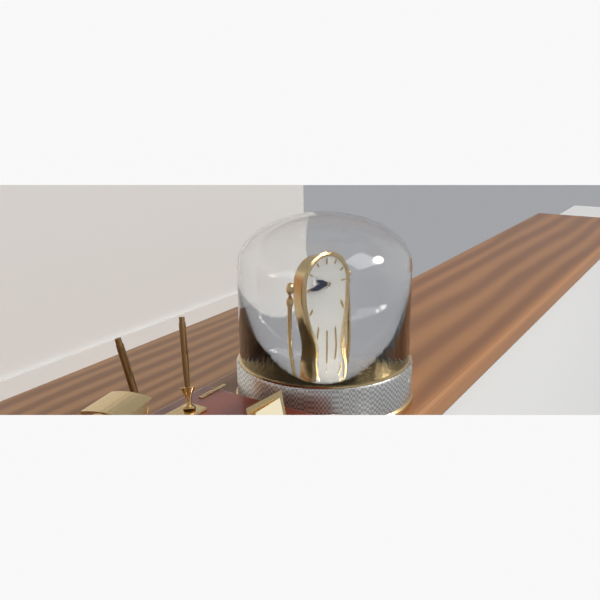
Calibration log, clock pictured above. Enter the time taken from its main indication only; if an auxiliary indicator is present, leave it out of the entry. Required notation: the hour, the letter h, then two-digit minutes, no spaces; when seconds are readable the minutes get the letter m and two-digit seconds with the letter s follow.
9h45
